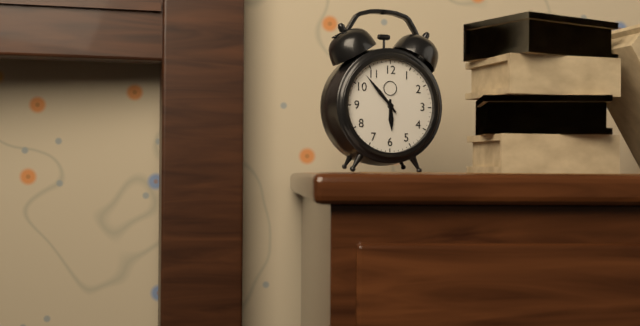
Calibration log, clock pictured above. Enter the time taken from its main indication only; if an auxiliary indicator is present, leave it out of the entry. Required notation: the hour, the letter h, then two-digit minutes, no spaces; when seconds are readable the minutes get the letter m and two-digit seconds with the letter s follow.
5h53
